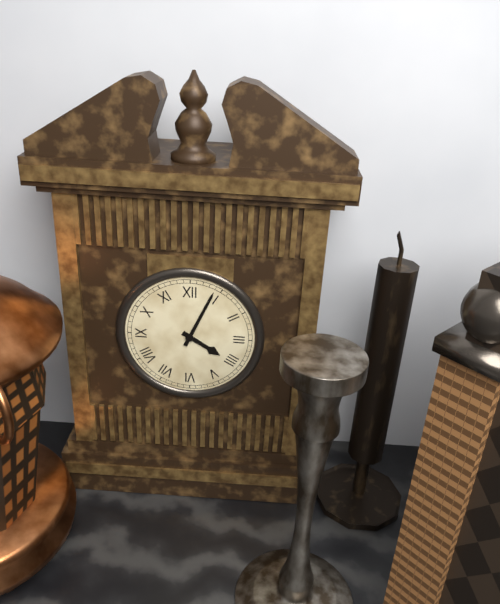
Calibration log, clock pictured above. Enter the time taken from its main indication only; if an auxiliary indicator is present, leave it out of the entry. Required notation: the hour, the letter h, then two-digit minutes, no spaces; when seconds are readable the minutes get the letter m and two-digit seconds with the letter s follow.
4h04
